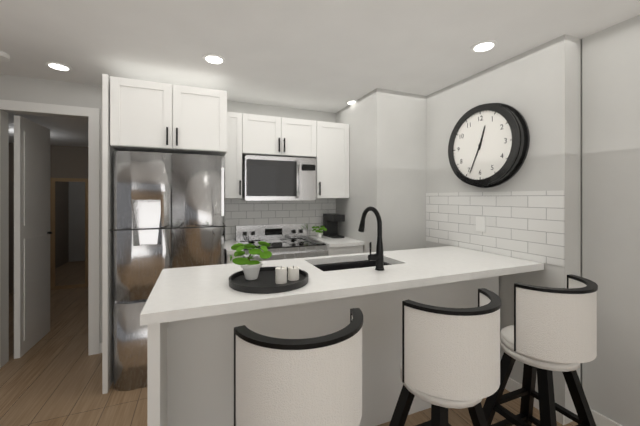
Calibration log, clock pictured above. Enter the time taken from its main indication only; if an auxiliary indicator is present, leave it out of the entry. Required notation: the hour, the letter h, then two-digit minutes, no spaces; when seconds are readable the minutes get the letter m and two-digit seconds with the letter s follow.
12h34
